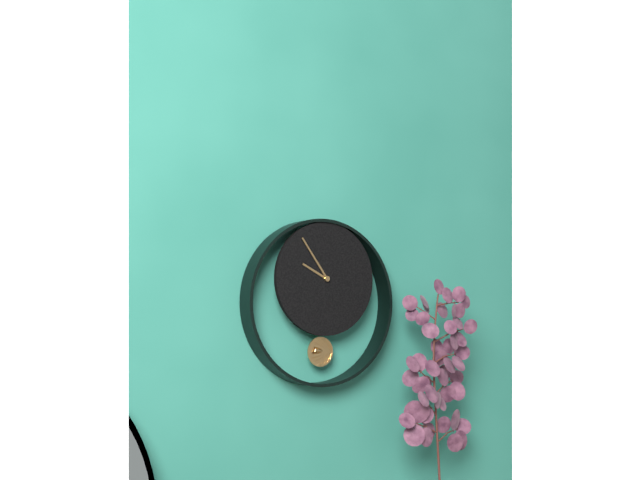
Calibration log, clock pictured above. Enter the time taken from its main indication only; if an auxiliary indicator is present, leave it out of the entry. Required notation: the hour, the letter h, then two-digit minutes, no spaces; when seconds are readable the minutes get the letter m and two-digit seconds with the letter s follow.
9h54
